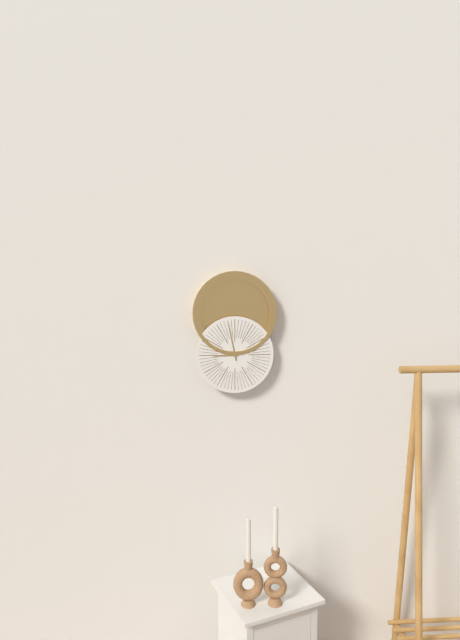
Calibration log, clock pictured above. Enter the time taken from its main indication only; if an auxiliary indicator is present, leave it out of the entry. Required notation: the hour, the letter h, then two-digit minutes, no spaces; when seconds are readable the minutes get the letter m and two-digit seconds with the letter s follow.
8h58
